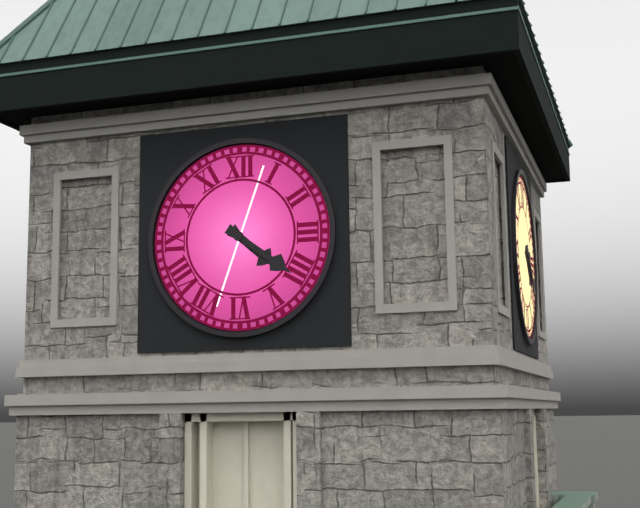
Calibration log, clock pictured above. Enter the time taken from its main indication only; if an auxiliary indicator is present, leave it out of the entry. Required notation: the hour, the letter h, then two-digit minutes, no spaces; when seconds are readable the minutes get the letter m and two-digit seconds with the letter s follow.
4h21
